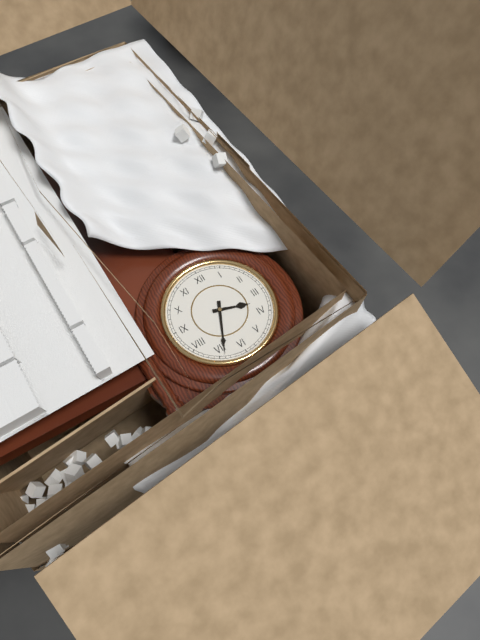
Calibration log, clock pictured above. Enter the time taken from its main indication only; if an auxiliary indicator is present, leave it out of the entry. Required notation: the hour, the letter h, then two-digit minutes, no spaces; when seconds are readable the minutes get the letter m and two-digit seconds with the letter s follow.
3h34
